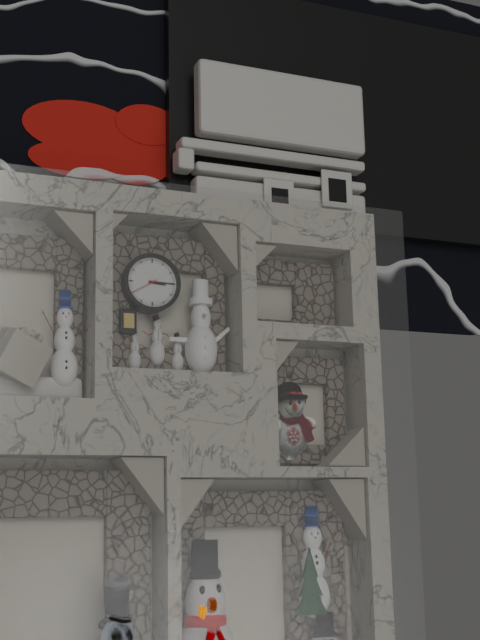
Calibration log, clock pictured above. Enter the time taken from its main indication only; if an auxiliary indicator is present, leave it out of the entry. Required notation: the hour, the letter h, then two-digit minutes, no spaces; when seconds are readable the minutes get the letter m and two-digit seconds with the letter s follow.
3h15
